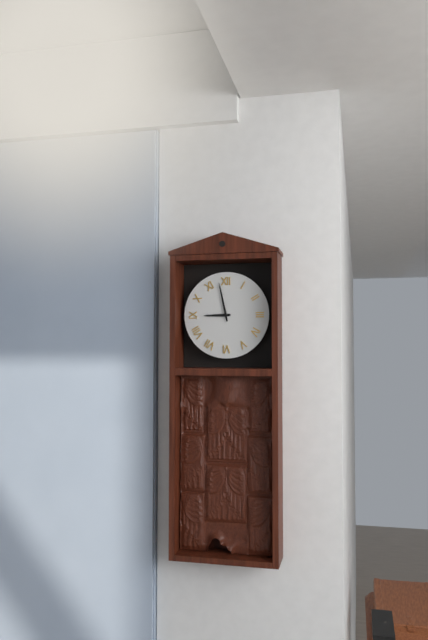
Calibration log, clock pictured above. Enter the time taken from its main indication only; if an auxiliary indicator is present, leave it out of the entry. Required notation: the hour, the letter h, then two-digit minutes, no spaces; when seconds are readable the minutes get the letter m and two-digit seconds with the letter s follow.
8h58
